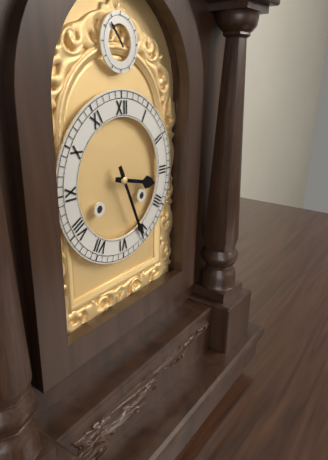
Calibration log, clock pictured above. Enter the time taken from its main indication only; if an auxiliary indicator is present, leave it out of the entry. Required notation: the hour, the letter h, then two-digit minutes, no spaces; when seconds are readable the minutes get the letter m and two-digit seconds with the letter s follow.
3h26
